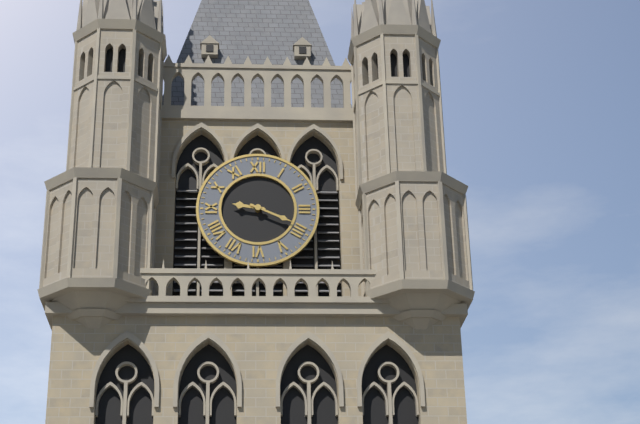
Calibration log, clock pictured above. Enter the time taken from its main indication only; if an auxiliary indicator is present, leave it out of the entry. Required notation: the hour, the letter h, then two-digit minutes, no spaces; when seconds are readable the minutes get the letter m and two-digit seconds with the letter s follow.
9h19
